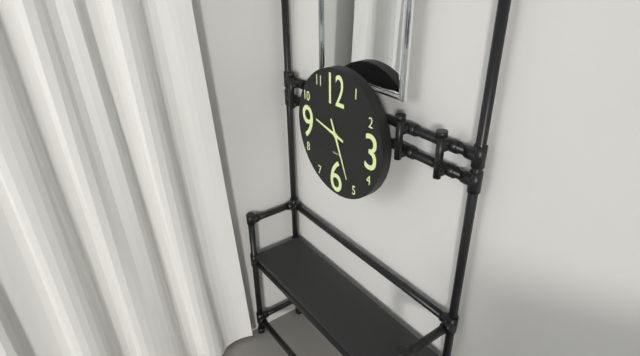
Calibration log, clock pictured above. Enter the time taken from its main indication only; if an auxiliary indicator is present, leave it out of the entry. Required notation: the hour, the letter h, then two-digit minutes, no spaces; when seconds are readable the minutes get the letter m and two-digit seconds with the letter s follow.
9h26
